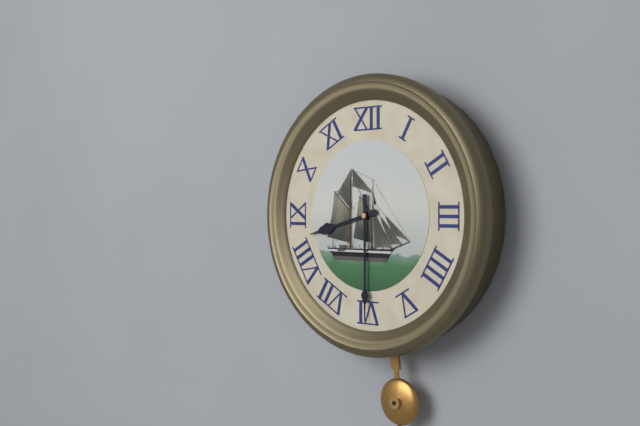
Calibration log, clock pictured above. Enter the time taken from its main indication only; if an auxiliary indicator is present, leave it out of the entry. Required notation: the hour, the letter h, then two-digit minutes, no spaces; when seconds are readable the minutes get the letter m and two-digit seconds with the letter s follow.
8h30
